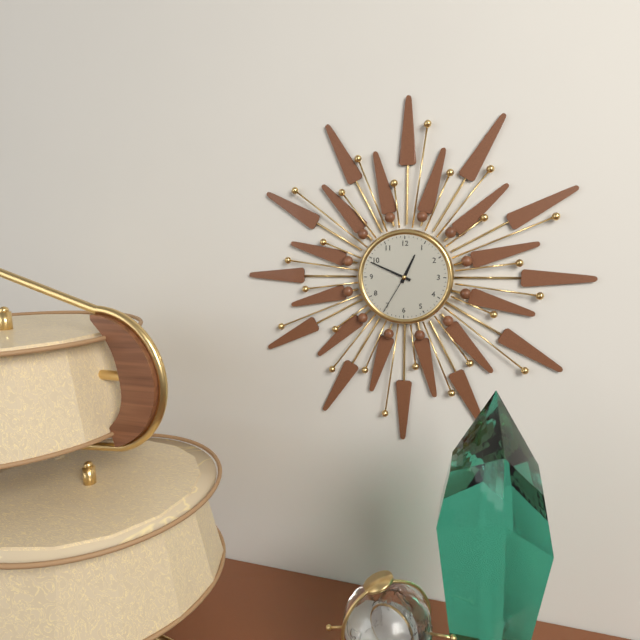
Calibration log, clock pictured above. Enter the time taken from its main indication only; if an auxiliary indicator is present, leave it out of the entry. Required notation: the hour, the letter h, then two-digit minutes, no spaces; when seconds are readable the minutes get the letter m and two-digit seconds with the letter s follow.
12h49
